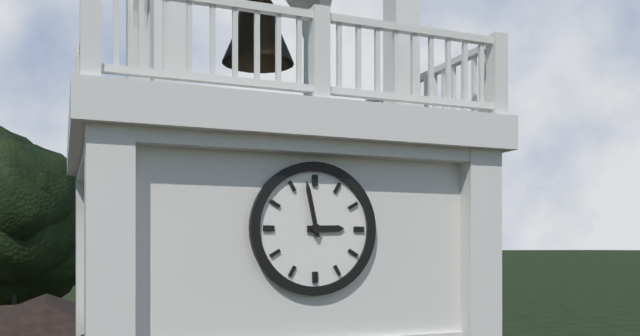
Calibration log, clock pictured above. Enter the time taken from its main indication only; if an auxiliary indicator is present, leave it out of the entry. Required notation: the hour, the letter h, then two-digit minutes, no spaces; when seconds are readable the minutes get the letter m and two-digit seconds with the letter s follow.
2h58
